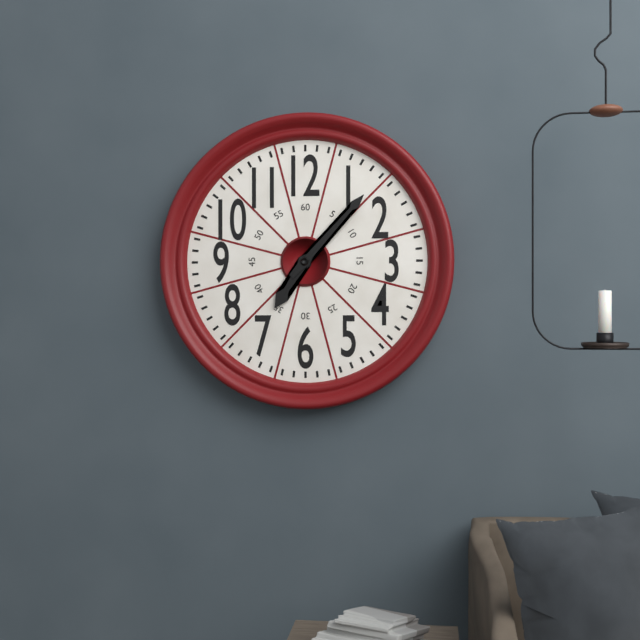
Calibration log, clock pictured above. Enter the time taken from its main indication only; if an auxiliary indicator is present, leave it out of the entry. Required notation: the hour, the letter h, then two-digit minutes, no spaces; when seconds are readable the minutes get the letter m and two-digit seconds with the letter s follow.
7h07
